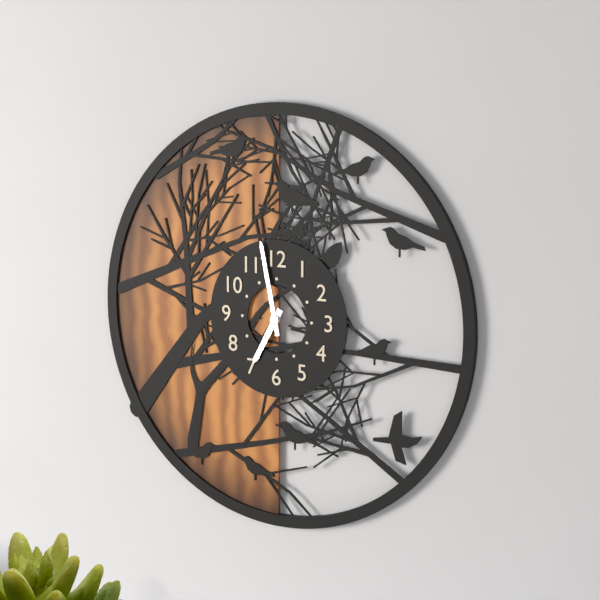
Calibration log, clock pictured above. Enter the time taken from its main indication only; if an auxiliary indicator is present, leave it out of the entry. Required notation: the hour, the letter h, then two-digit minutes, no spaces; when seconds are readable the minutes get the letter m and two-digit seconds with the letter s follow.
6h58
